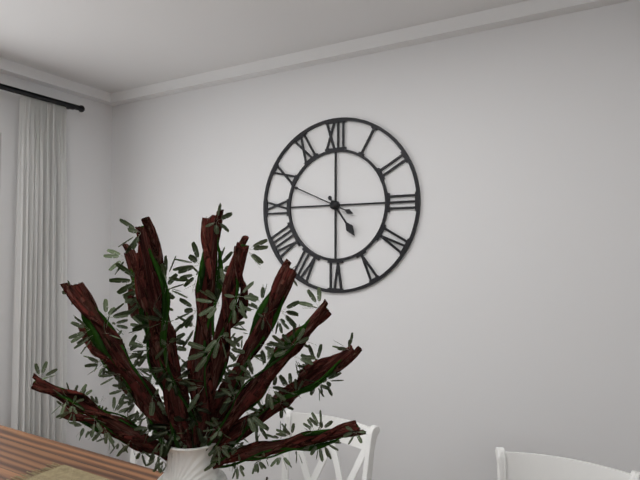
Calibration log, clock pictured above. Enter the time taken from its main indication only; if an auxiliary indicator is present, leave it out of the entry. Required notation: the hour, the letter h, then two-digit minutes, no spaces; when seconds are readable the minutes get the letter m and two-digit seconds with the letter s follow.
4h49
